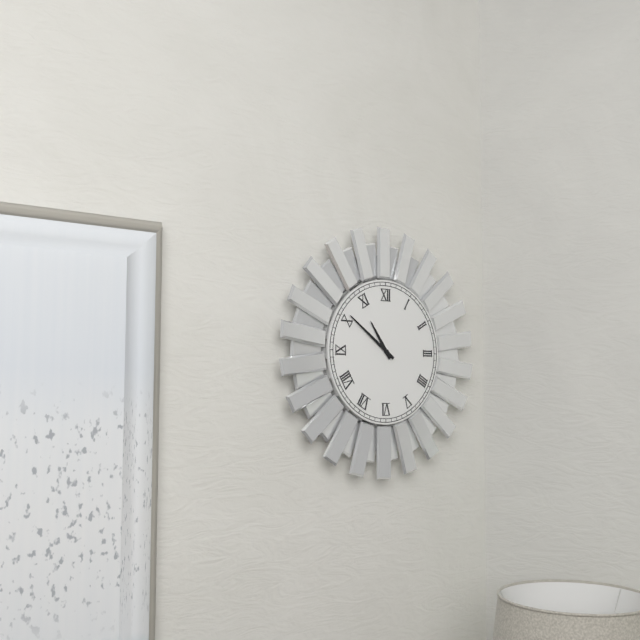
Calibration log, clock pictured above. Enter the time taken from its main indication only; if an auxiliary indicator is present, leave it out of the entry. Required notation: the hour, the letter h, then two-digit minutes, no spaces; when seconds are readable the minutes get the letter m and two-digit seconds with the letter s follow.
10h51
